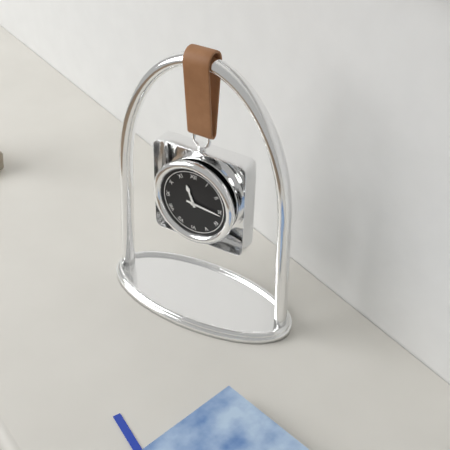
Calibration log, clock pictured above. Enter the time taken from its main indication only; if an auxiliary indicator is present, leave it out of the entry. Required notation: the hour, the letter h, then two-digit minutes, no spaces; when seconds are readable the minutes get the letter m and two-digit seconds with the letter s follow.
11h16
